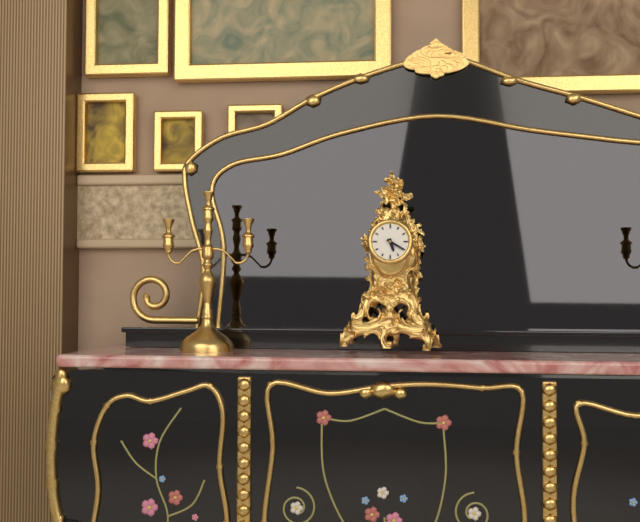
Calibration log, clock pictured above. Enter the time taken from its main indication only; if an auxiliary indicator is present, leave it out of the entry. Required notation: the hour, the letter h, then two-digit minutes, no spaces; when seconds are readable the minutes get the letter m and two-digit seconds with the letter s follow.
5h20
